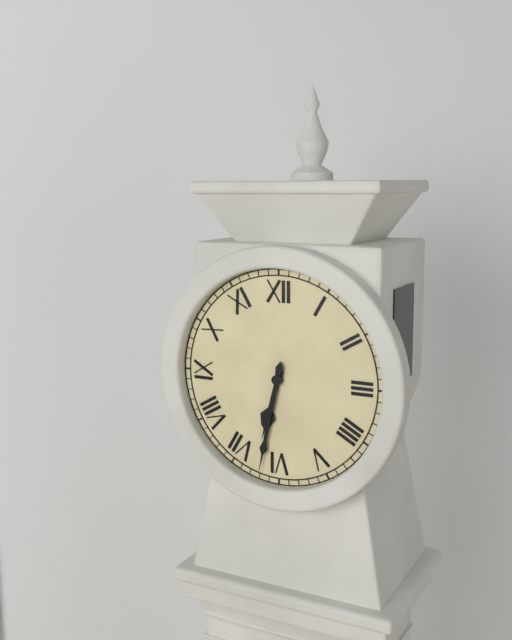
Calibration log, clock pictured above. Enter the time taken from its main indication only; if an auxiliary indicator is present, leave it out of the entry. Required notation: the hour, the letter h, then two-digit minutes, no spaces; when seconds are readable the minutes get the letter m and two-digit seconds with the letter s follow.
6h32
